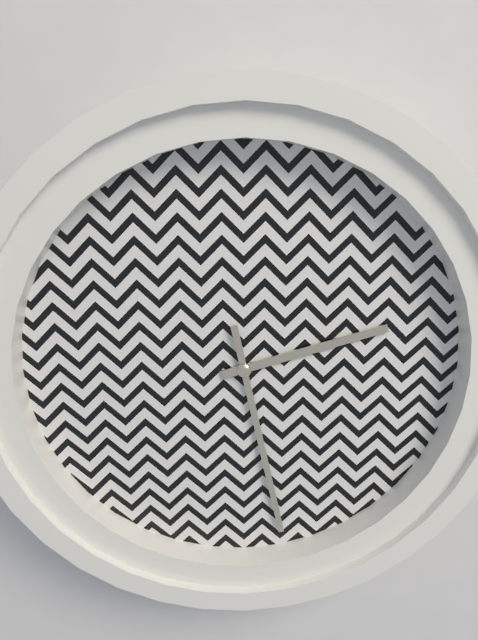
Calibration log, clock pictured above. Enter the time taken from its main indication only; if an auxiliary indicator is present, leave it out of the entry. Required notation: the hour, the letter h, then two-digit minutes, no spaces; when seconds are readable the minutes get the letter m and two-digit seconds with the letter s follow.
2h28
